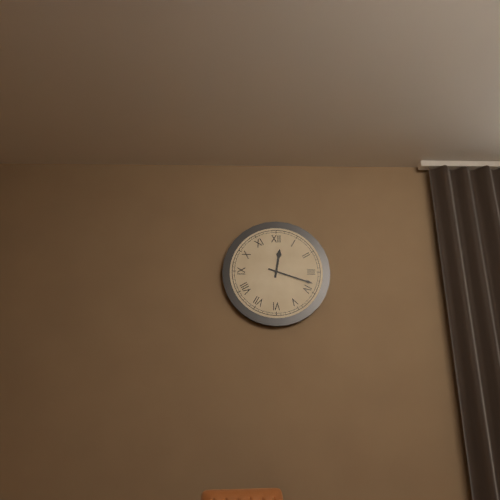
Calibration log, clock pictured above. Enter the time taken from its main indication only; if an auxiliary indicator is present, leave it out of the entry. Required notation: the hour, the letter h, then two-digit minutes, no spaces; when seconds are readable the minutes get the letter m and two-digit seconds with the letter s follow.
12h18
